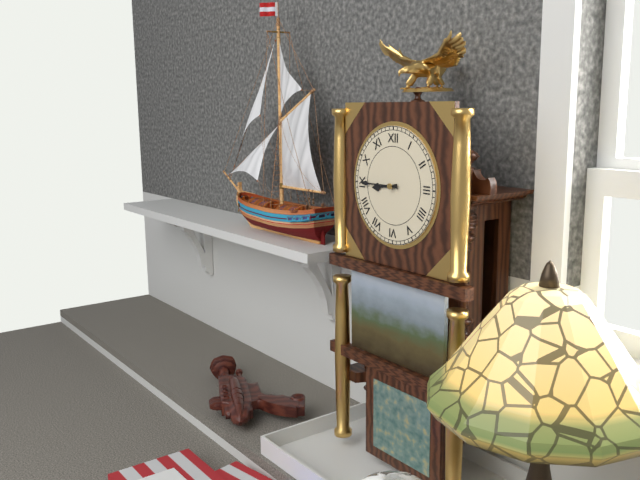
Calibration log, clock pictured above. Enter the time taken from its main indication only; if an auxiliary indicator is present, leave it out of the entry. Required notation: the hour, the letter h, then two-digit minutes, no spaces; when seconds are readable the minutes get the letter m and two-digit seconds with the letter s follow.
8h45
